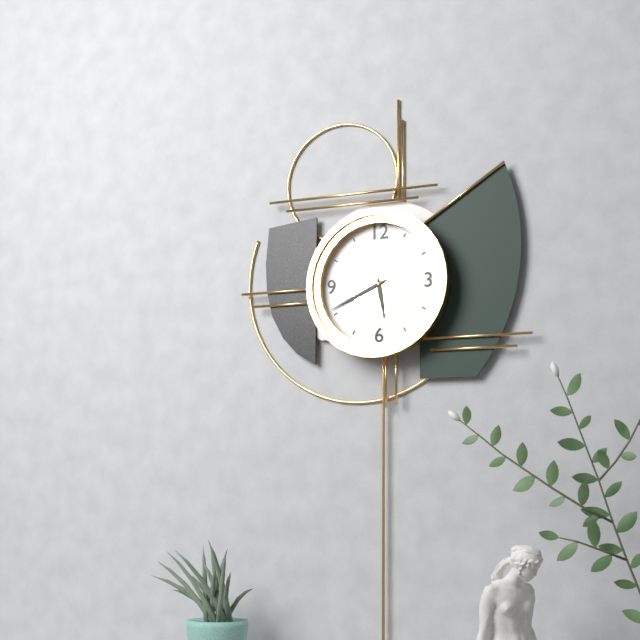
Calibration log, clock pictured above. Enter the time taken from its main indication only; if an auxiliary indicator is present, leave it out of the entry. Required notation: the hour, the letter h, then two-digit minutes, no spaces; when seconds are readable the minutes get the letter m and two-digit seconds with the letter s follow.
5h41
